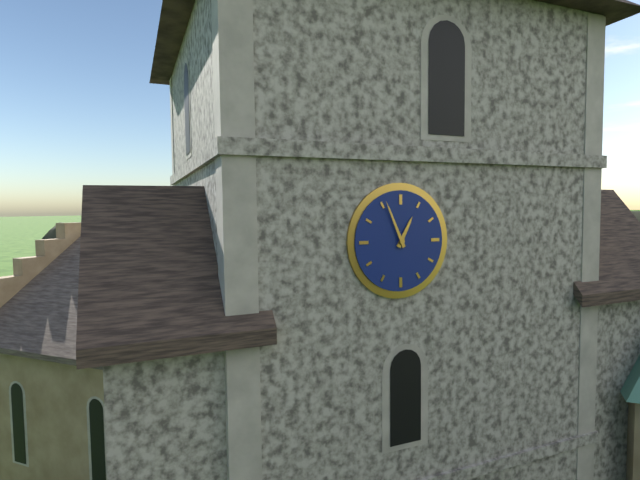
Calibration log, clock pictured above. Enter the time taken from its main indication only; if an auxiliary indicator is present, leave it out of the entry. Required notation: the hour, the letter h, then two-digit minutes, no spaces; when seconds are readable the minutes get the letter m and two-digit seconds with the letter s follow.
12h56
